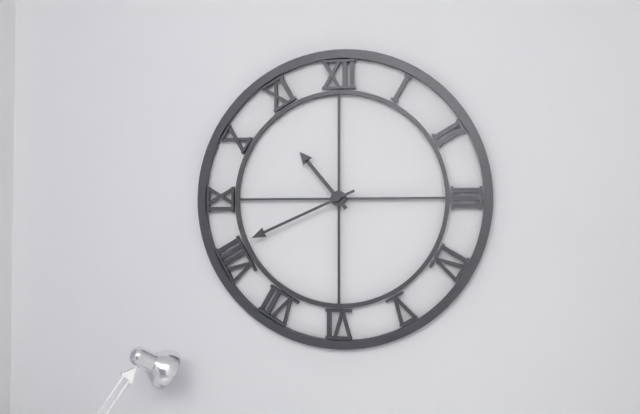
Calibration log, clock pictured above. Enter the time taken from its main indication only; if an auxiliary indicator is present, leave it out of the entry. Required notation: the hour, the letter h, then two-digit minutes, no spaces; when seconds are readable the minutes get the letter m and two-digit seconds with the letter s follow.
10h41
